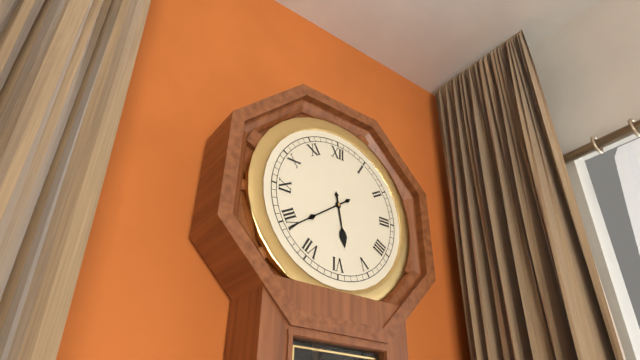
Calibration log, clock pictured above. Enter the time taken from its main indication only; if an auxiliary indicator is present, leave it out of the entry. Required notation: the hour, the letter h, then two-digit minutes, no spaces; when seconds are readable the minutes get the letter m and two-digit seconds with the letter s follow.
5h39
